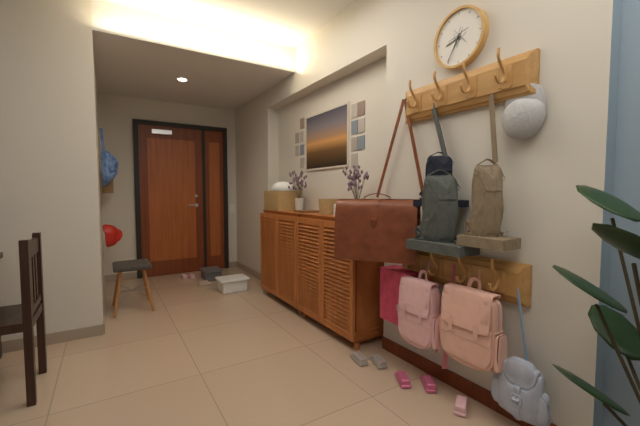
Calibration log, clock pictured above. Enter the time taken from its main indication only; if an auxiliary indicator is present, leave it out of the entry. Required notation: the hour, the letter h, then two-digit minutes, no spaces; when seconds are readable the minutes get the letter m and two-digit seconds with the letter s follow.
8h35
